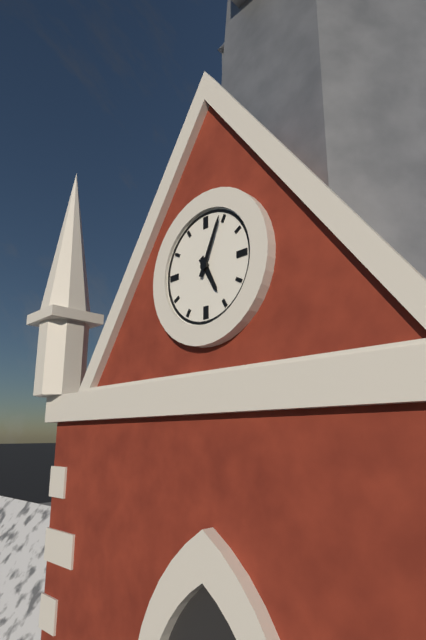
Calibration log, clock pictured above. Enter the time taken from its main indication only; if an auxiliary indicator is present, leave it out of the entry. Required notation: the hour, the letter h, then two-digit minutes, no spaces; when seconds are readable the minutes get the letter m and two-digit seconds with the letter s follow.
5h04
